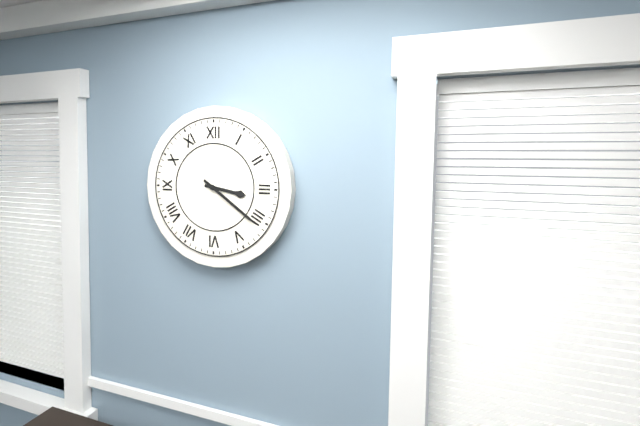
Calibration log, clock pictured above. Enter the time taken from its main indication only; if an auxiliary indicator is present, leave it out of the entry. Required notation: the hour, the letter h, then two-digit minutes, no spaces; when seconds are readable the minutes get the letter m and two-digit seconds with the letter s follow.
3h21
